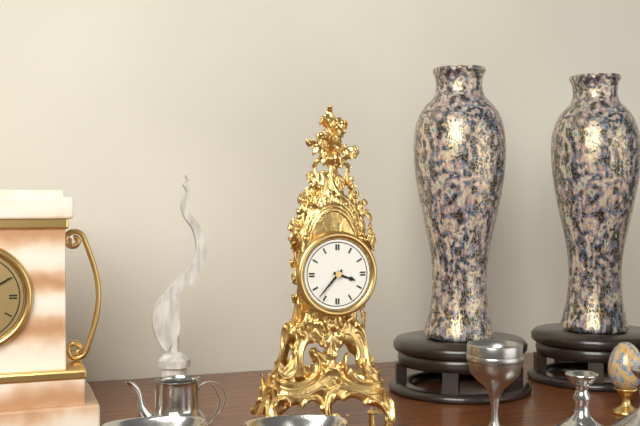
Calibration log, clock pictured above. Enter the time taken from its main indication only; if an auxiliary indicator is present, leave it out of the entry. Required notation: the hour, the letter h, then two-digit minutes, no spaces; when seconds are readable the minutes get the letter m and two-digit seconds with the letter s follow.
3h37
